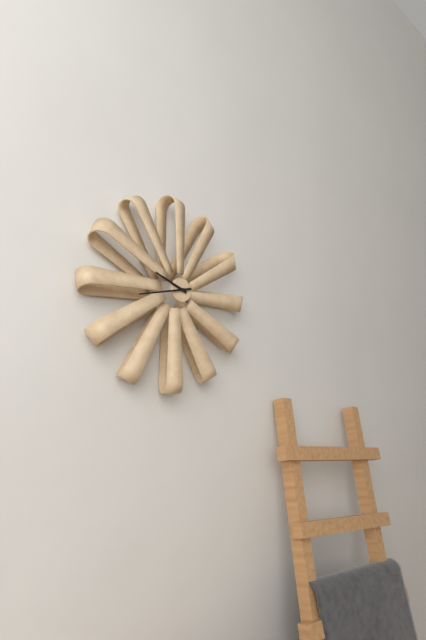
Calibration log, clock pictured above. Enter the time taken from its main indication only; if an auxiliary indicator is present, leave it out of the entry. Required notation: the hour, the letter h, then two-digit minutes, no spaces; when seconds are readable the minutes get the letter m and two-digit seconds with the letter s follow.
9h43
